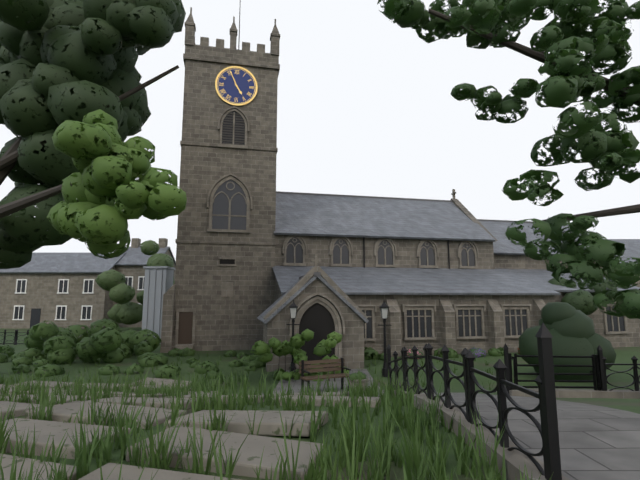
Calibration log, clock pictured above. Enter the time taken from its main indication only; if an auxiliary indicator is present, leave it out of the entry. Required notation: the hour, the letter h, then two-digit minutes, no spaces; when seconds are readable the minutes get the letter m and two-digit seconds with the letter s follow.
4h56
